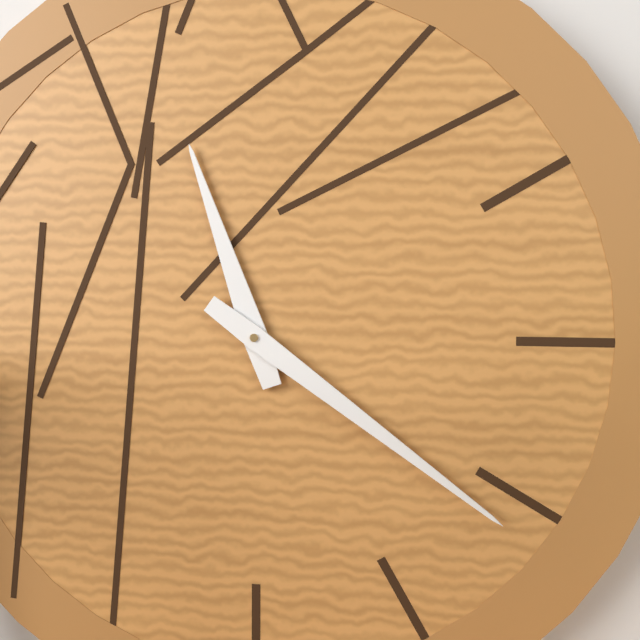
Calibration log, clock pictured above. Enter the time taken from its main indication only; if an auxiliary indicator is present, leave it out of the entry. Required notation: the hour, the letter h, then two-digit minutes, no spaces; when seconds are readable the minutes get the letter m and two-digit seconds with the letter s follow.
11h21
